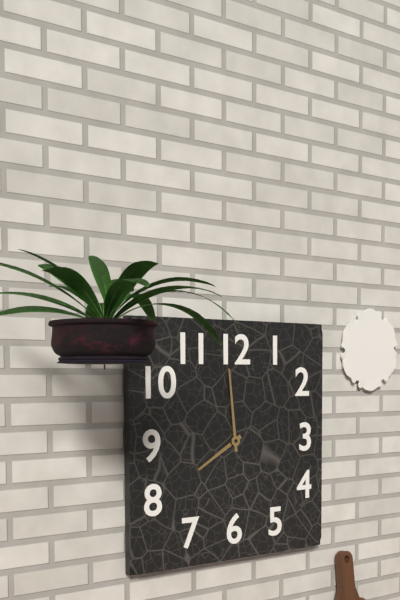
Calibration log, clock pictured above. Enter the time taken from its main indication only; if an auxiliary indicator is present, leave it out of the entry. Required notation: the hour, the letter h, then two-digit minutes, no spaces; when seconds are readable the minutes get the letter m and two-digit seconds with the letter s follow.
7h59
